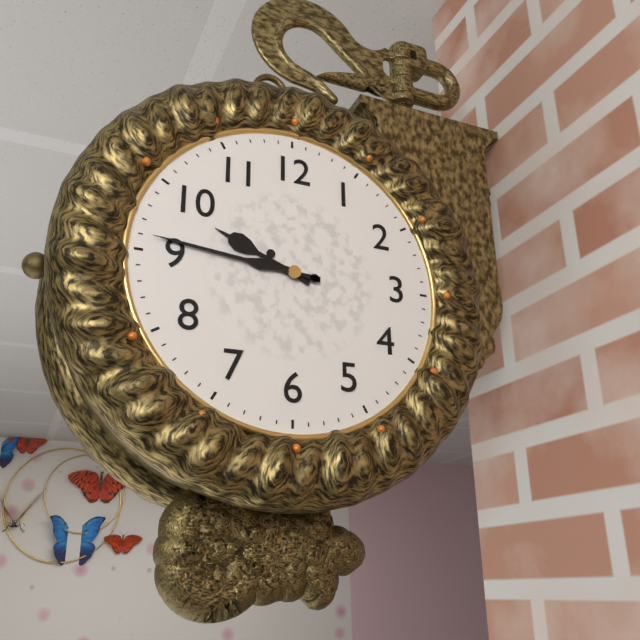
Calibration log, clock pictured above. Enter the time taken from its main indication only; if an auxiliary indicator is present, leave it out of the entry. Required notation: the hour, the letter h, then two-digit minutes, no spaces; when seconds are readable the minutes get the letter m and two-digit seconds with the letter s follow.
9h46
